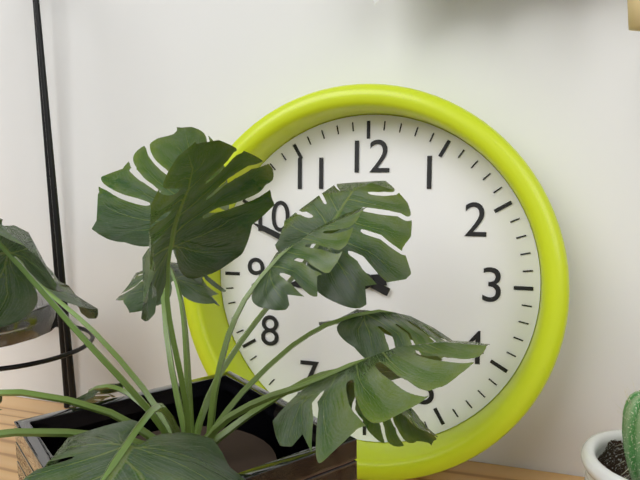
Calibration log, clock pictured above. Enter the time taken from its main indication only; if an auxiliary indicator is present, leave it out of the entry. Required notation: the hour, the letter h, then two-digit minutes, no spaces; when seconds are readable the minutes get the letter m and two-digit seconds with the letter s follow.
8h49
